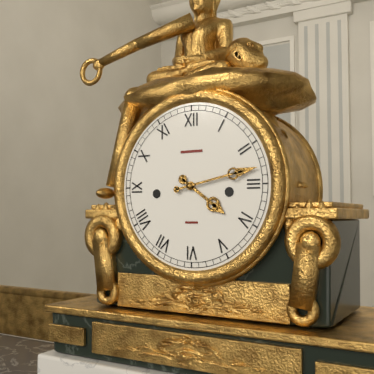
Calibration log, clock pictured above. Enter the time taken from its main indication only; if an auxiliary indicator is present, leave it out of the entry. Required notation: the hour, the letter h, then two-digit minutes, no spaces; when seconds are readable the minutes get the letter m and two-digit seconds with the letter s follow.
4h13
